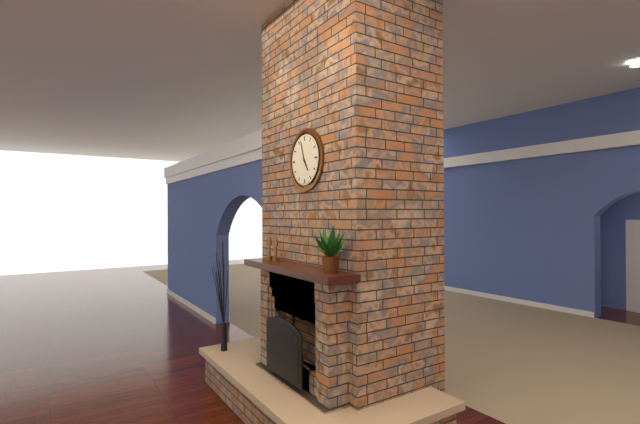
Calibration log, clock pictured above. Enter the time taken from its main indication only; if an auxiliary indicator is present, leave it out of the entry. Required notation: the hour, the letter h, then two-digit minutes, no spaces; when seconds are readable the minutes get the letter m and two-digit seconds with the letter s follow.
4h57
